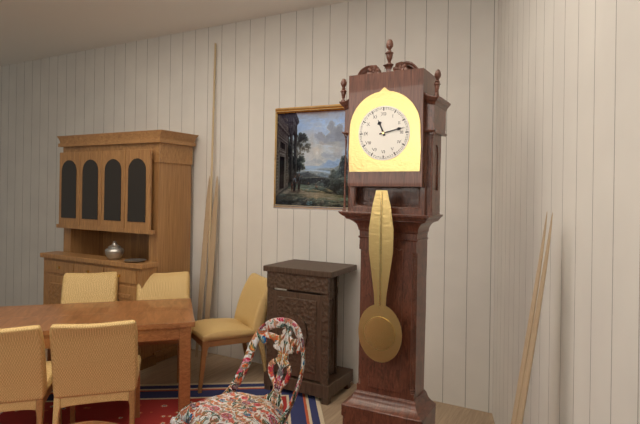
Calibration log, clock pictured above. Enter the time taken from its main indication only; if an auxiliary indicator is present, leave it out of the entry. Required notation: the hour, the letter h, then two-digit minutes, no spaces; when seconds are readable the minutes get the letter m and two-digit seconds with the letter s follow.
11h13
